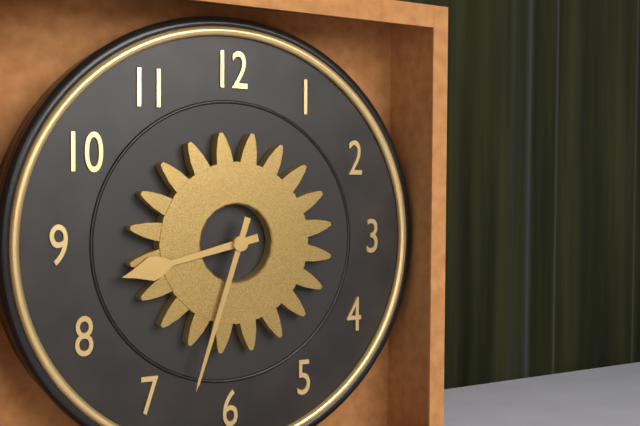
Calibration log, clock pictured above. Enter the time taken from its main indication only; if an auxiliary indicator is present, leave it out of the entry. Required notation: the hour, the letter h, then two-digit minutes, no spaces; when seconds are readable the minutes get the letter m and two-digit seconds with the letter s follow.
8h33
